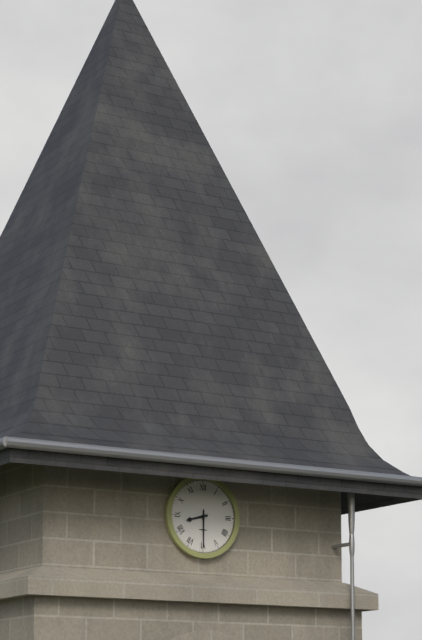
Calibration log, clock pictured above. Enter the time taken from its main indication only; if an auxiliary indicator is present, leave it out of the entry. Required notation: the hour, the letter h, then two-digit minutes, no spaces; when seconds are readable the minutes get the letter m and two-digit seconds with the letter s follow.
8h30
